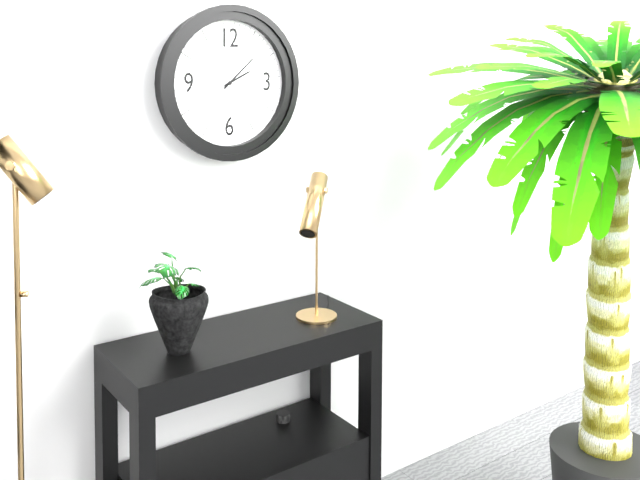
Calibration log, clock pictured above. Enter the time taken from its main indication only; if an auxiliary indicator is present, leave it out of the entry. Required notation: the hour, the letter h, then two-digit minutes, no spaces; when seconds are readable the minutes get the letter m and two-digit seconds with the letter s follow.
2h08
